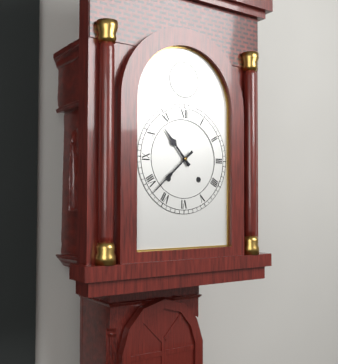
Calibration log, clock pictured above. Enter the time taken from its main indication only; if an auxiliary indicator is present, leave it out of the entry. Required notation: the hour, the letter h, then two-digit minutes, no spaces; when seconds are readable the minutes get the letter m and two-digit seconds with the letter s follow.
10h38
